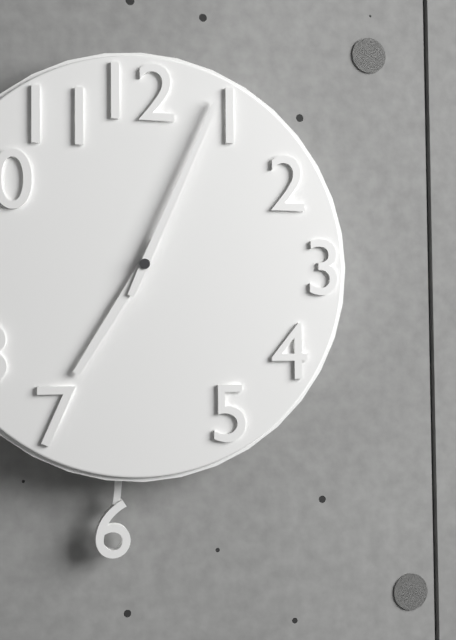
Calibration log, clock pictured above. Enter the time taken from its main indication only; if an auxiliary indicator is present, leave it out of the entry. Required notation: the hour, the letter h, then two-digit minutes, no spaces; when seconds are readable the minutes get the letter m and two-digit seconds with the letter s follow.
7h04
